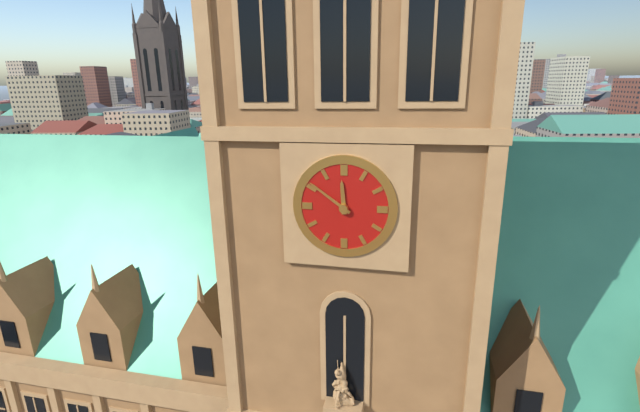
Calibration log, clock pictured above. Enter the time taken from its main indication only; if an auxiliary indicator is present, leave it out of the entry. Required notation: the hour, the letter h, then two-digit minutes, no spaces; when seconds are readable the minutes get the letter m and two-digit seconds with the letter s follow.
11h51
